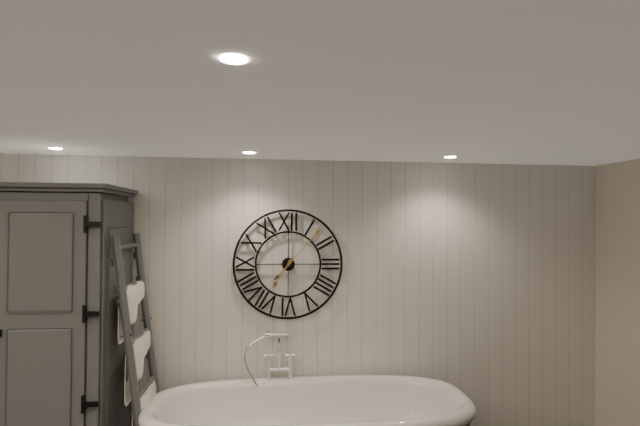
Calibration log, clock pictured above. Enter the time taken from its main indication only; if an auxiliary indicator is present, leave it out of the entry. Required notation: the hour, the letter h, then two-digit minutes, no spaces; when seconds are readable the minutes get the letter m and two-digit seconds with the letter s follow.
7h07
